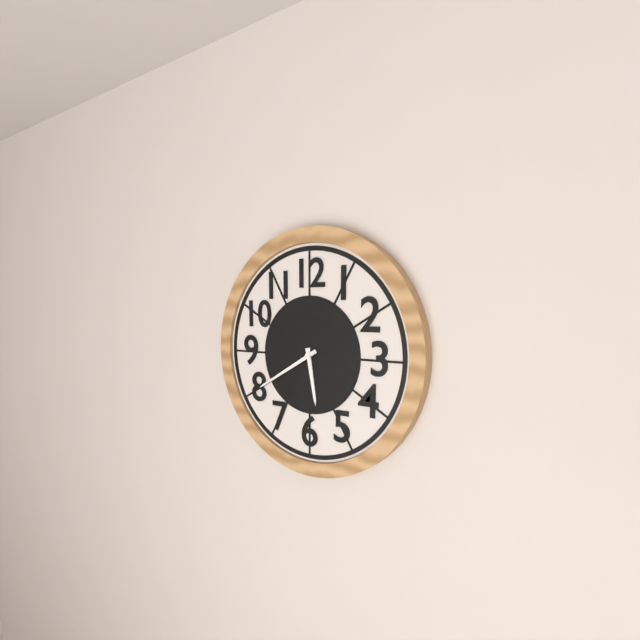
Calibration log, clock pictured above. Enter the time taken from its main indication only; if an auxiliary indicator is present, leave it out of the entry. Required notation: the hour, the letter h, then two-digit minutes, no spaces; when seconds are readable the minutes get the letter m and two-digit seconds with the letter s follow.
5h40
